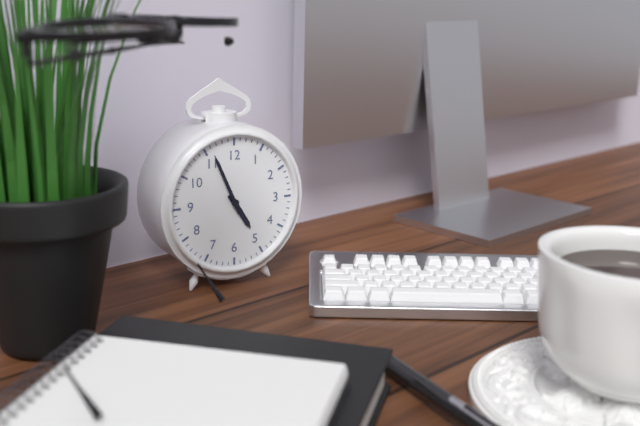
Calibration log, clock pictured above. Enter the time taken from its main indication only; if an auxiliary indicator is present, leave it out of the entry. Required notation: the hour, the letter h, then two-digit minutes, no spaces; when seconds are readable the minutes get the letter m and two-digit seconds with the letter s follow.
4h56
